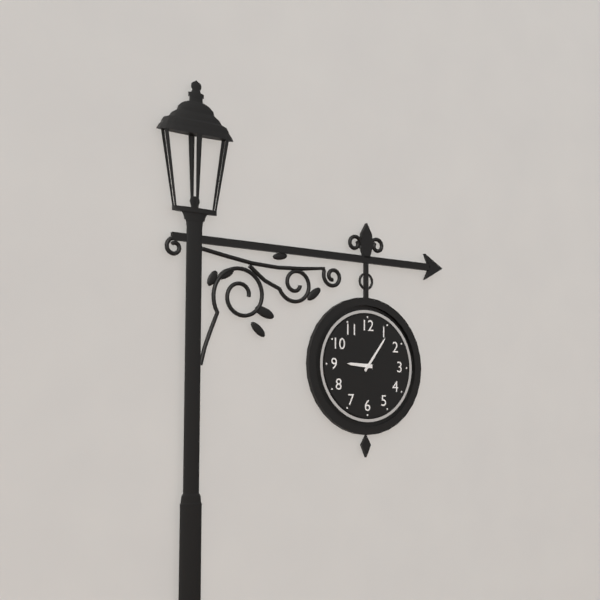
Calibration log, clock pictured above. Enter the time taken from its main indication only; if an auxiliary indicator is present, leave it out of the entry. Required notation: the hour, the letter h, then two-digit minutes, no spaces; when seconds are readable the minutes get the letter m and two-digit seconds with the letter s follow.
9h06
